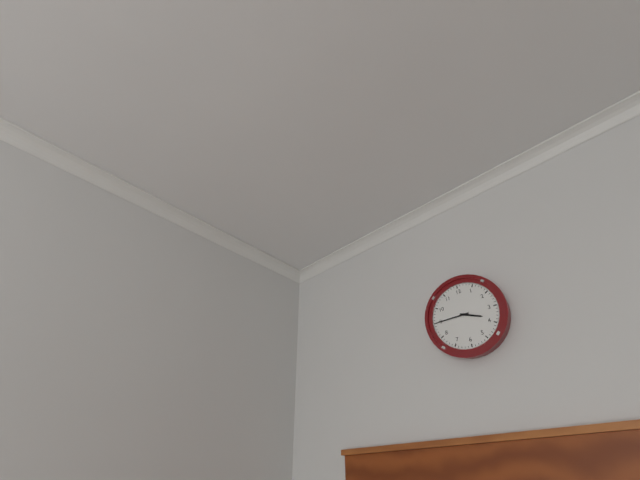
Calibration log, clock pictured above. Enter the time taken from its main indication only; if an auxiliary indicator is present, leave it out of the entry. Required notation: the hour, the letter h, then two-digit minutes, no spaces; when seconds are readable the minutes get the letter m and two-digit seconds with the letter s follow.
3h45
